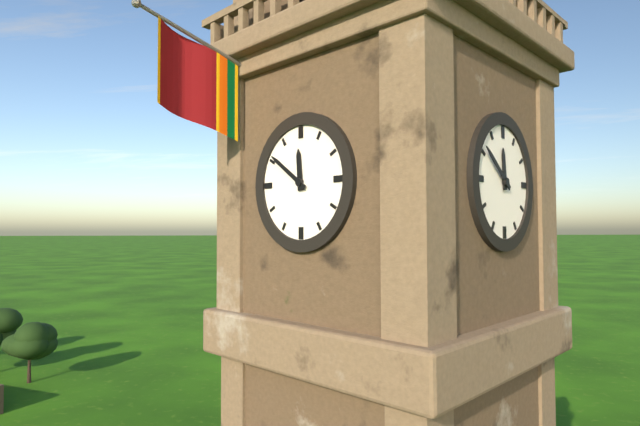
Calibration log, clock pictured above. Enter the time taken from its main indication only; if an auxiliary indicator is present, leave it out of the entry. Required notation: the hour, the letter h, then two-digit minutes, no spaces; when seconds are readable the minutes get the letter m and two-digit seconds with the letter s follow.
11h51
